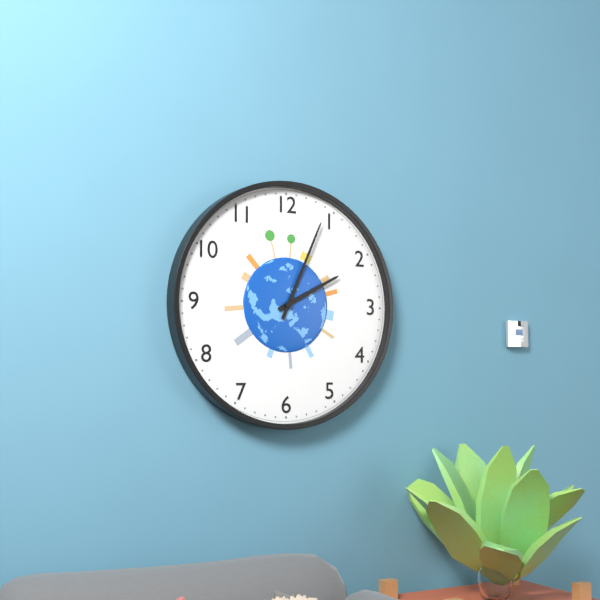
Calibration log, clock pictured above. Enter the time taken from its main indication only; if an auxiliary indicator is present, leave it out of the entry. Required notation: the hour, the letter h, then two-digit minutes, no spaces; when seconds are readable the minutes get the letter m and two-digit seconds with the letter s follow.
2h04
